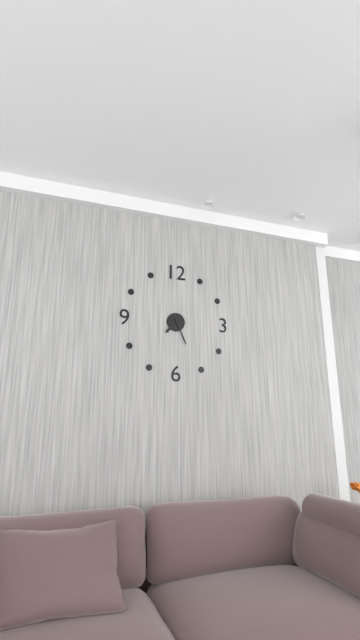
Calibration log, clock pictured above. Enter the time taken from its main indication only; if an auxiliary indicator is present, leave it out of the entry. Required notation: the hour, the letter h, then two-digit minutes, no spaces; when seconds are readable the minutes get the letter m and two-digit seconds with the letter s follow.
7h26
